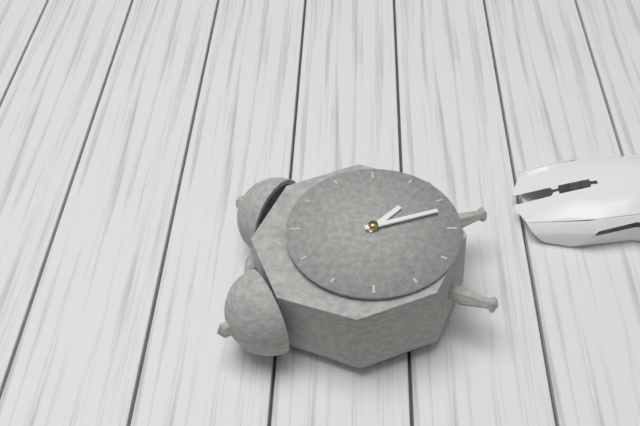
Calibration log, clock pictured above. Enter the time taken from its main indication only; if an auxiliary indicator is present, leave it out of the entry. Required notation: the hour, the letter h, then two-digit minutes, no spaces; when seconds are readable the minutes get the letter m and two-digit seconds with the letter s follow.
4h27
